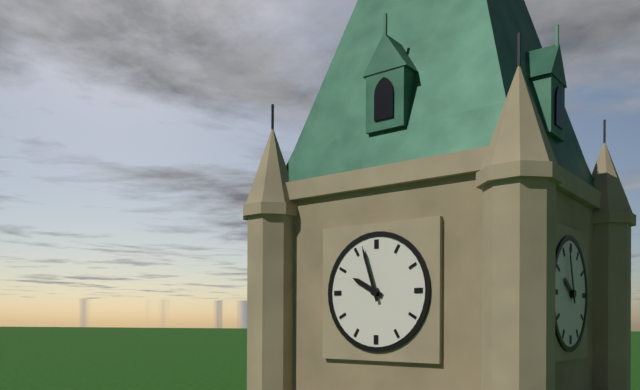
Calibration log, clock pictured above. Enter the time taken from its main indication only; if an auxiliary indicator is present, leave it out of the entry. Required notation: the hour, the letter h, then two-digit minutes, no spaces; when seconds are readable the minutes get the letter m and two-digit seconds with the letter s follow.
9h57
